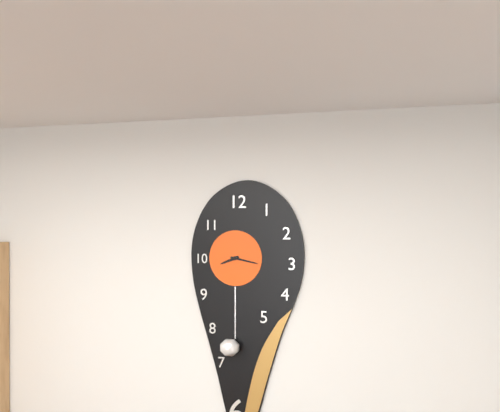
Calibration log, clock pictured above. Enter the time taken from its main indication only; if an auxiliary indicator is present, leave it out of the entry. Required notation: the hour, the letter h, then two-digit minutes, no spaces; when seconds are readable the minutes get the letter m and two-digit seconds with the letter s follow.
8h17
